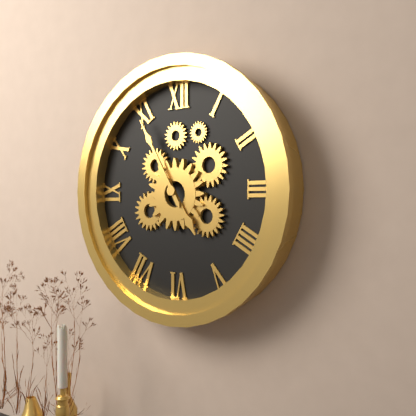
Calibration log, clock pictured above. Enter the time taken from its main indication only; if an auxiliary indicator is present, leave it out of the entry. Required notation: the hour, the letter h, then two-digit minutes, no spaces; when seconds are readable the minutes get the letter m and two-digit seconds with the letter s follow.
4h55
